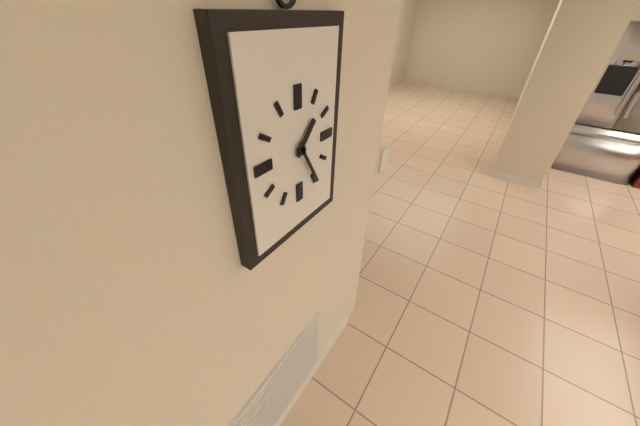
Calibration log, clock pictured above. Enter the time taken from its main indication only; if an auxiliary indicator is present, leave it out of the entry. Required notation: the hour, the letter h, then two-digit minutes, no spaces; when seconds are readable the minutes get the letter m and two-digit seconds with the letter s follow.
1h25
